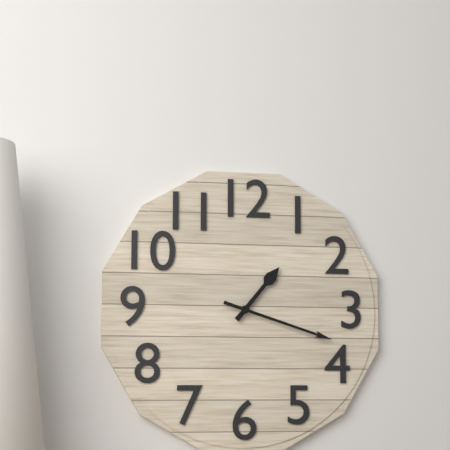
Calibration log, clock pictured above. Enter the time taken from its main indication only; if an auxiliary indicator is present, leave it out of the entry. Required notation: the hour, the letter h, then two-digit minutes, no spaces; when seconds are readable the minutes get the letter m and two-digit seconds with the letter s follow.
1h18
